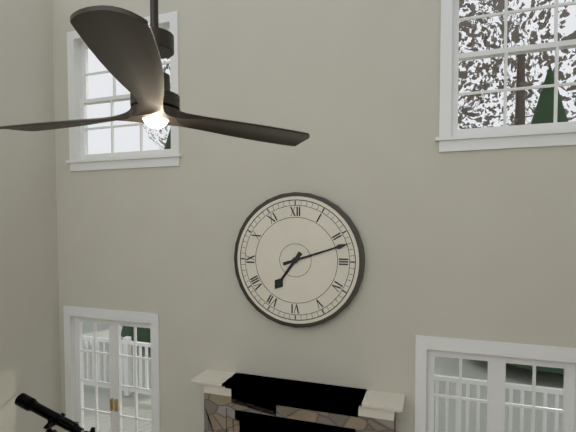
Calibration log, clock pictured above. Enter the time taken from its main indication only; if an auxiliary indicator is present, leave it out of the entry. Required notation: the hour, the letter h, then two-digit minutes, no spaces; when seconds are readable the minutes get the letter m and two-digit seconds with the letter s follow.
7h12
